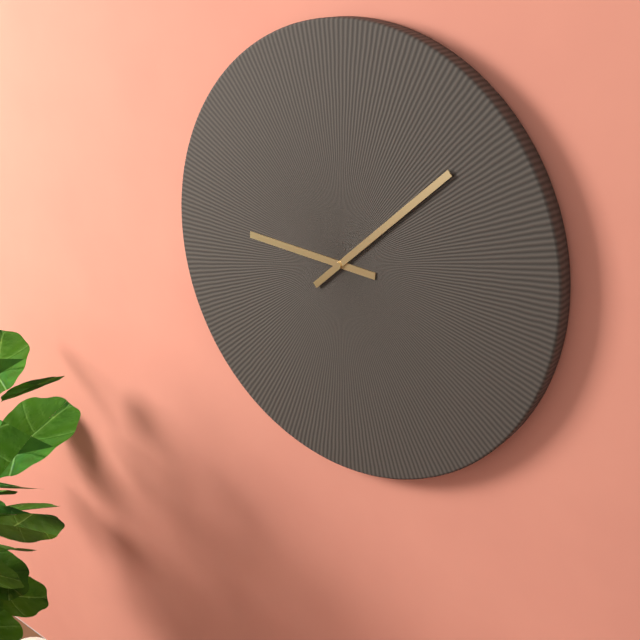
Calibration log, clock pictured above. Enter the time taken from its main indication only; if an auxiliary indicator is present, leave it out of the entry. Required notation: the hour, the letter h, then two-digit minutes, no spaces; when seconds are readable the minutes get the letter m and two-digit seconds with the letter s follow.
9h08
